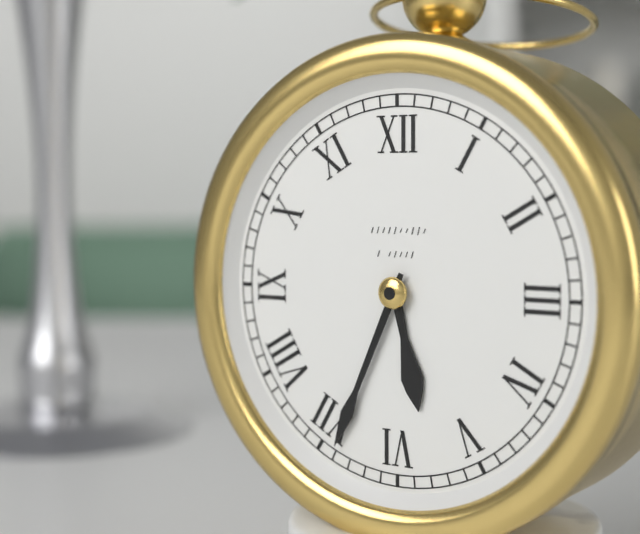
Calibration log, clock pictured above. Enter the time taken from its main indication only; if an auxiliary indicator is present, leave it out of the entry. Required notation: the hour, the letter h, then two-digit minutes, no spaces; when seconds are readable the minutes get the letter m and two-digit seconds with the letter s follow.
5h34
